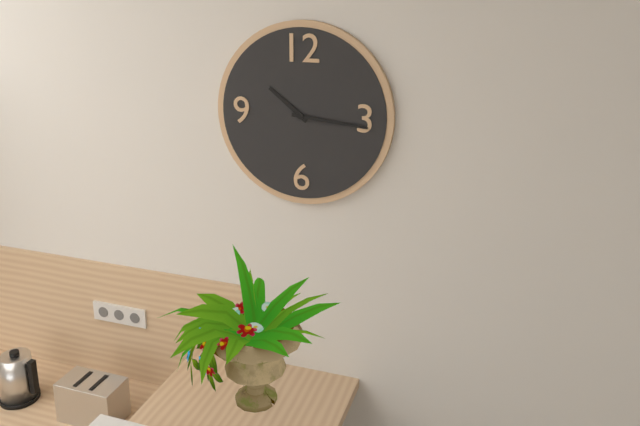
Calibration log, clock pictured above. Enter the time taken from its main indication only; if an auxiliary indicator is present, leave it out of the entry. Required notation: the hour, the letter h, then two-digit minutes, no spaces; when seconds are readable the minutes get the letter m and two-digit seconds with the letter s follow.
10h16
